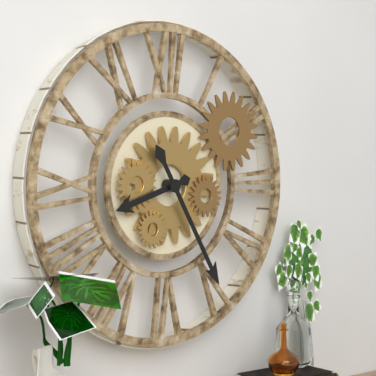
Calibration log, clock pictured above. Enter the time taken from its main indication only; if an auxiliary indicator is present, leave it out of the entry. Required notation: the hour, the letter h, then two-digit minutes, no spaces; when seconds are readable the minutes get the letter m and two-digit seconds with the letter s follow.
8h25
